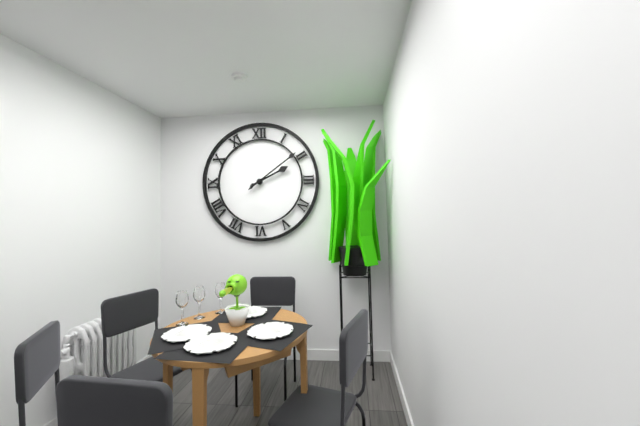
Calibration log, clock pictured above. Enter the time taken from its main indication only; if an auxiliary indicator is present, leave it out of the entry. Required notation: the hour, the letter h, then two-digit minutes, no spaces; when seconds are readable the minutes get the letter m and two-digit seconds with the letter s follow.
2h09
